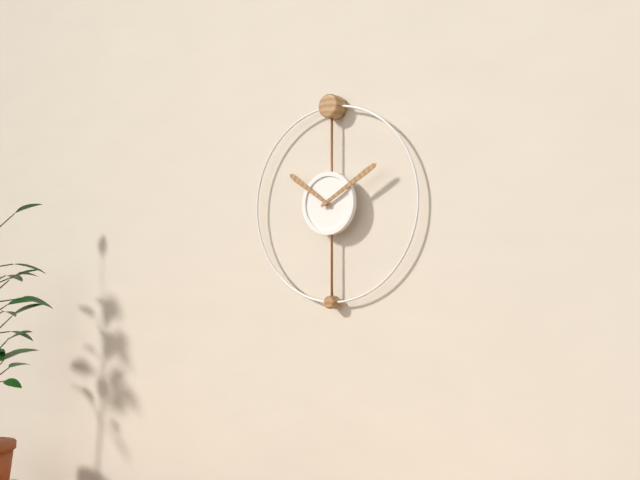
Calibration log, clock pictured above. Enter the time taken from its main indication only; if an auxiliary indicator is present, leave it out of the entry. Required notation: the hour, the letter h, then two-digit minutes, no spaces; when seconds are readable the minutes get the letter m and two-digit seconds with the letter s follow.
10h10
